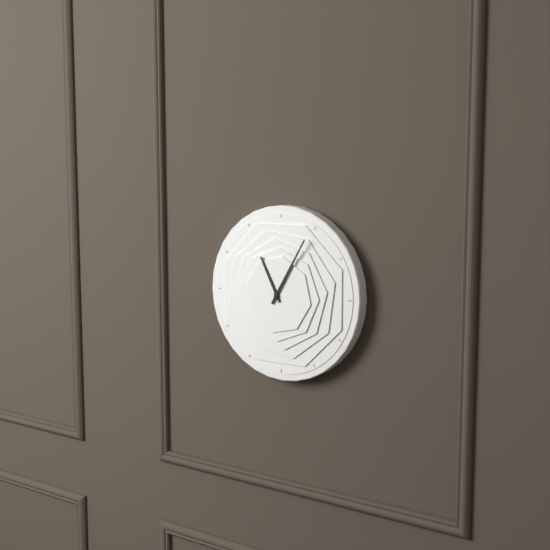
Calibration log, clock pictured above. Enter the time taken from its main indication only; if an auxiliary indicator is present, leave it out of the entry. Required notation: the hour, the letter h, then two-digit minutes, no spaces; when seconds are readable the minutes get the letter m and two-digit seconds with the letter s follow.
11h05
